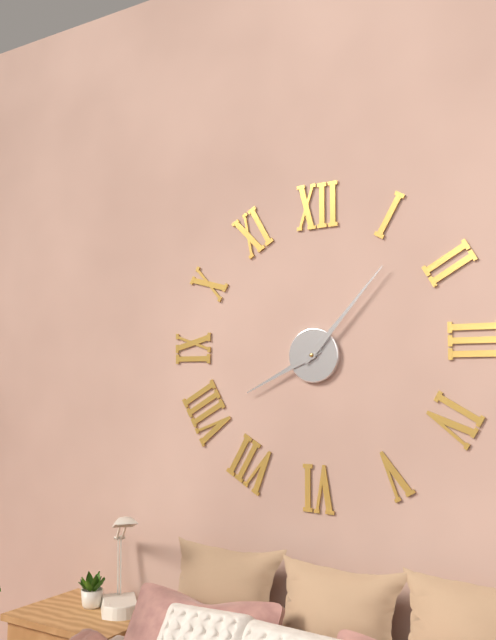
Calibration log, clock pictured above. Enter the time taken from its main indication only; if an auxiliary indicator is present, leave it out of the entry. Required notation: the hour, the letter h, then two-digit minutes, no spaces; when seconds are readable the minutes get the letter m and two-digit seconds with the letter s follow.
8h07
